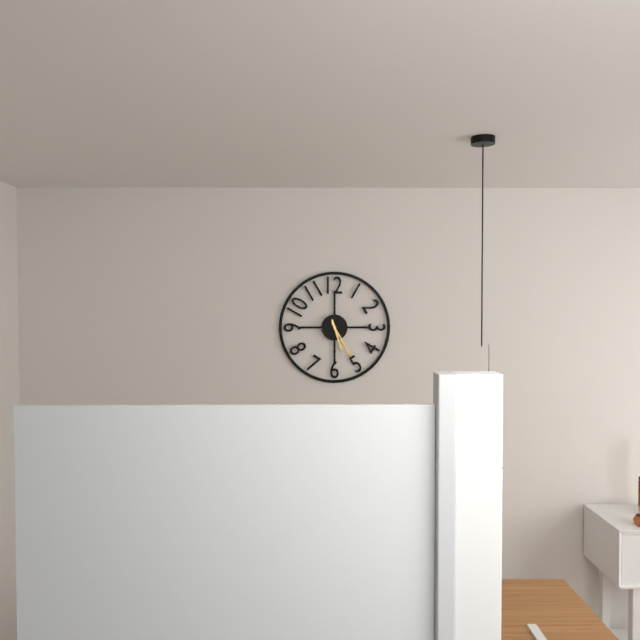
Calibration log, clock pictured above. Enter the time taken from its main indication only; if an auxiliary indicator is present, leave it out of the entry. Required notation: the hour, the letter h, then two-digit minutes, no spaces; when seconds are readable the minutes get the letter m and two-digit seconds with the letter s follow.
5h25
